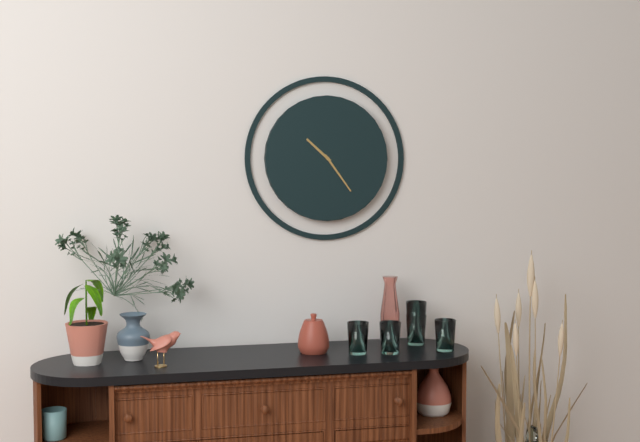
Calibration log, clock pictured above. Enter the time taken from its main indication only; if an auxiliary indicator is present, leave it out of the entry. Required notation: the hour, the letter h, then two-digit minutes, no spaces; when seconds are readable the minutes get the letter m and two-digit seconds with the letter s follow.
10h24
